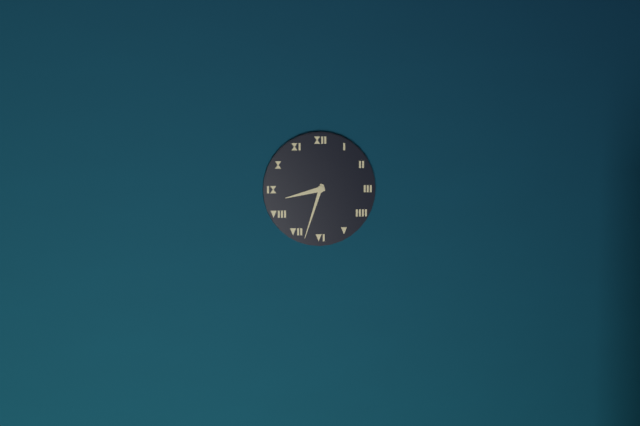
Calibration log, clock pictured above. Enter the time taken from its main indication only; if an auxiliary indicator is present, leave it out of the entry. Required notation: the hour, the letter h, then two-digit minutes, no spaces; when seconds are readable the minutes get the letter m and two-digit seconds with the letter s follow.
8h33
